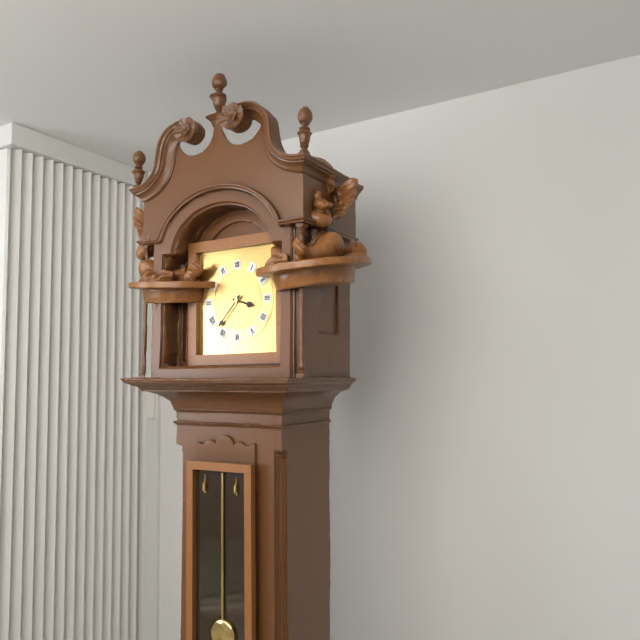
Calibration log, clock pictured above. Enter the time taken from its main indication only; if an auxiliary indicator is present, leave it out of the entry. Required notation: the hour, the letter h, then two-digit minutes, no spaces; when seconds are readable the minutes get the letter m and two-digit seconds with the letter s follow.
3h37
